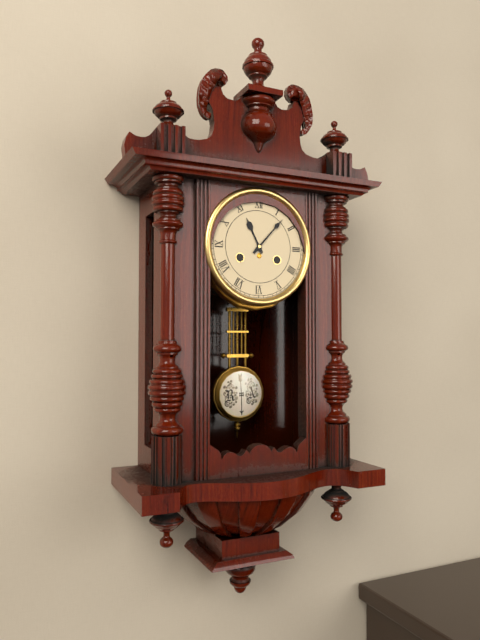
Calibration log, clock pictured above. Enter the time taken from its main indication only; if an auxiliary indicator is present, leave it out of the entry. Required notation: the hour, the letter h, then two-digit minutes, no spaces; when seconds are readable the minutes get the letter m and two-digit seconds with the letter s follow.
11h07
